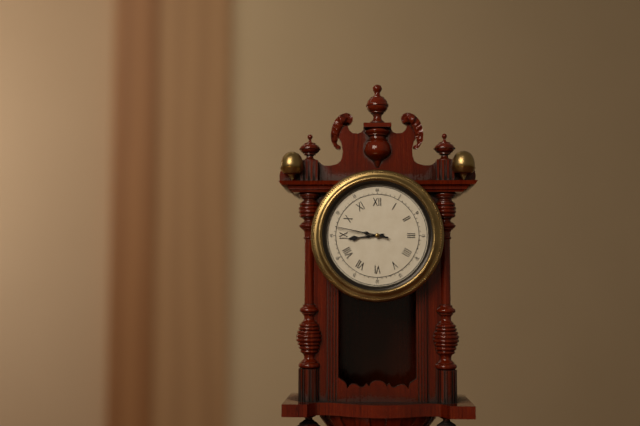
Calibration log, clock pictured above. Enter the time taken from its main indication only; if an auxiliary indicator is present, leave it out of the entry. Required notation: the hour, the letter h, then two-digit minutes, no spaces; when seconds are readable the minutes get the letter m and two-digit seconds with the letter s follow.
8h47
